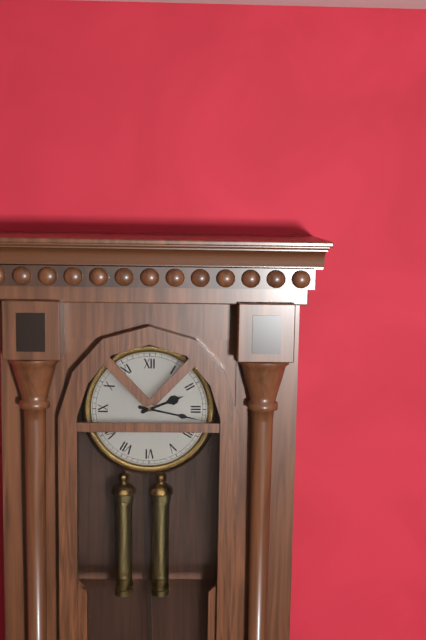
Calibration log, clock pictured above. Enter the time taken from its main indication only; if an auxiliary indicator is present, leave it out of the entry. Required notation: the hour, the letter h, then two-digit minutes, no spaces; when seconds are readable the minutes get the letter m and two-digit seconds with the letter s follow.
2h17
